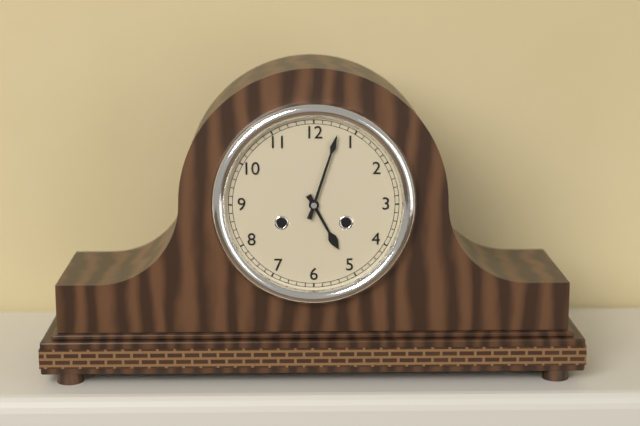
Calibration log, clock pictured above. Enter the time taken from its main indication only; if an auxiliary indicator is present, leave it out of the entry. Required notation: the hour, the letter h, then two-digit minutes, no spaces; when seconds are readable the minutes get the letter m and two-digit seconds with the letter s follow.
5h03
